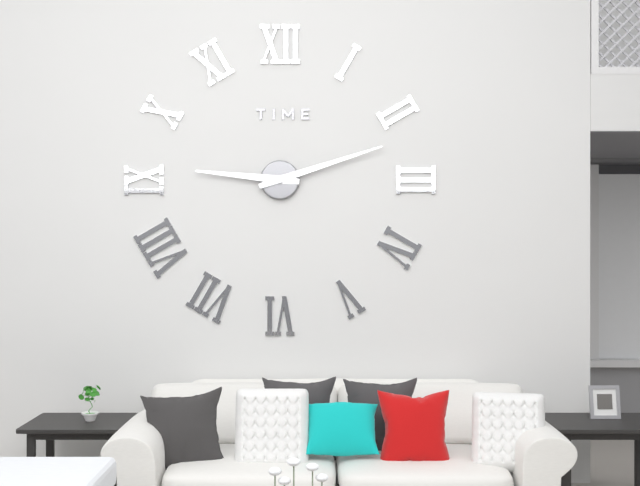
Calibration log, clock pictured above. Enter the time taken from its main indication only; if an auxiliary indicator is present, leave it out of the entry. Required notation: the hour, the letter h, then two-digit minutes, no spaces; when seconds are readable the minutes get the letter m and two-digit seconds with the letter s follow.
9h12
